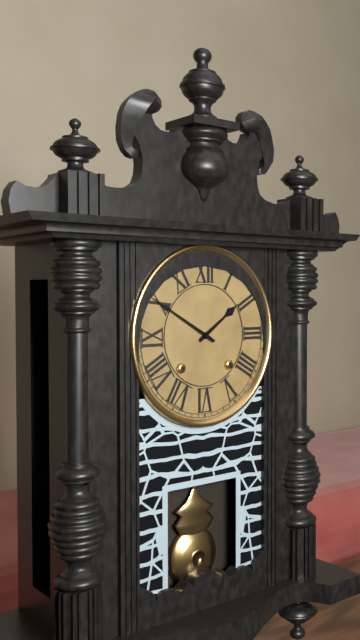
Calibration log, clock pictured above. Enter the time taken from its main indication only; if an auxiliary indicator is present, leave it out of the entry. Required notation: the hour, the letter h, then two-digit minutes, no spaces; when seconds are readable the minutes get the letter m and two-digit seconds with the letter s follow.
1h50
